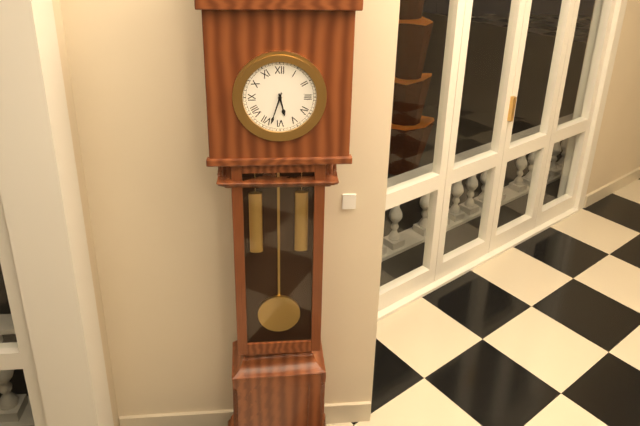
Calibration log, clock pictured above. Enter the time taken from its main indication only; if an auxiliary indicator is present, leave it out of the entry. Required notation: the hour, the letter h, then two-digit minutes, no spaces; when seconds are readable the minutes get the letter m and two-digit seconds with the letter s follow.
5h33
